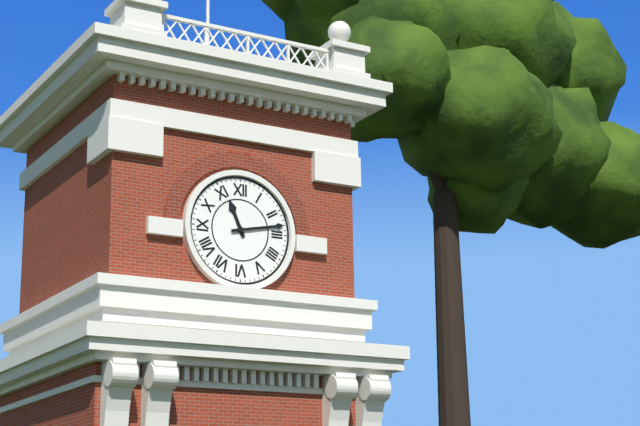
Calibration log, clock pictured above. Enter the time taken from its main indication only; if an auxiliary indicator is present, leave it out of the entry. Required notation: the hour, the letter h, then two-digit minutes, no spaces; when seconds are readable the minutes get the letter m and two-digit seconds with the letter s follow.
11h13
